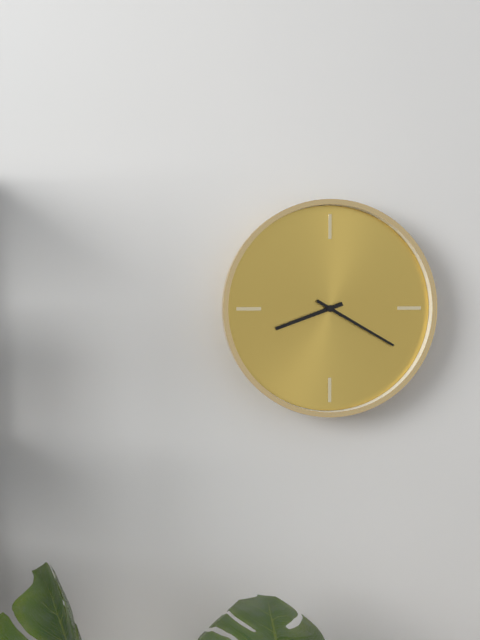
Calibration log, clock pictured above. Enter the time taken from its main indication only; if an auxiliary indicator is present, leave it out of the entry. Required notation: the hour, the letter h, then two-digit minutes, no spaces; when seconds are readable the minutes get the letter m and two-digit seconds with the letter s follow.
8h20
